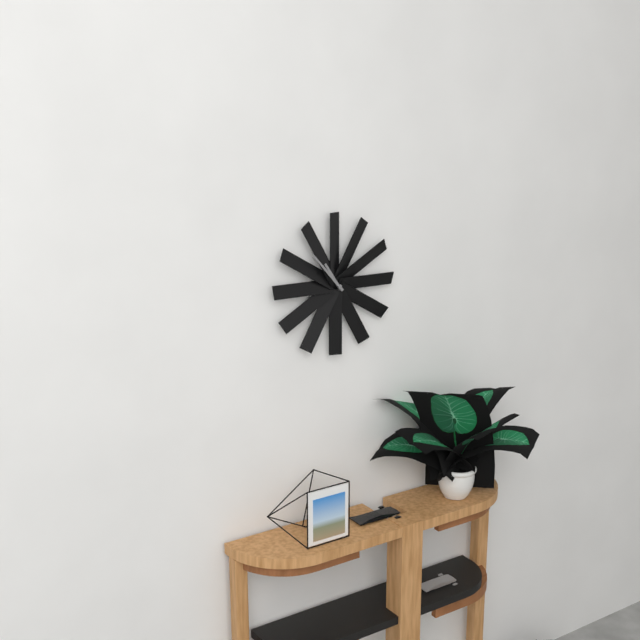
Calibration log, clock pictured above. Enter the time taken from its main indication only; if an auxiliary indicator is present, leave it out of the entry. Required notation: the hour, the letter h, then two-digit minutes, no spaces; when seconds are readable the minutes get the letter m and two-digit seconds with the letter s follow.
10h53
